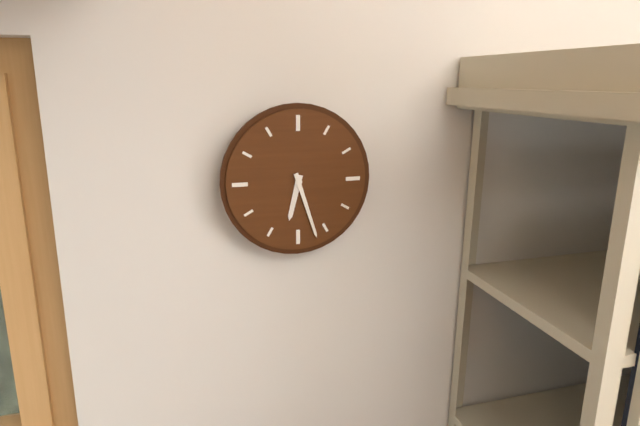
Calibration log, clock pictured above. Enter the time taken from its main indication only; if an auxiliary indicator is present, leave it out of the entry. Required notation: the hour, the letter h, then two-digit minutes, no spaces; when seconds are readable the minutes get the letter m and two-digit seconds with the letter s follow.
6h27
